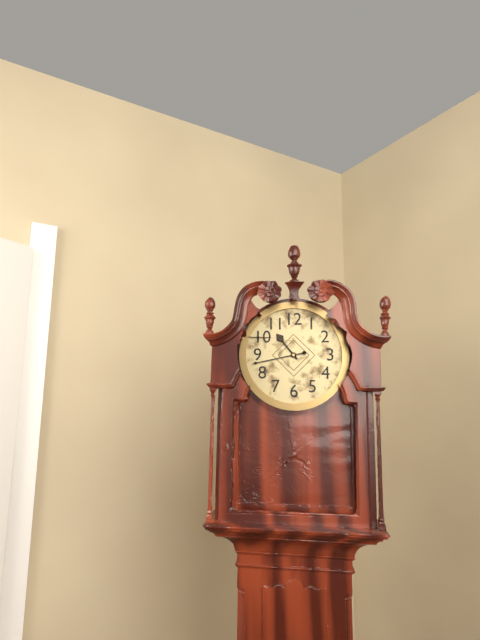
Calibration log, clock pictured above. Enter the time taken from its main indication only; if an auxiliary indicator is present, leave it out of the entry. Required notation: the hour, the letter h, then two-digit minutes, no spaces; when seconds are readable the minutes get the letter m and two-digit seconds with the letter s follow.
10h43
